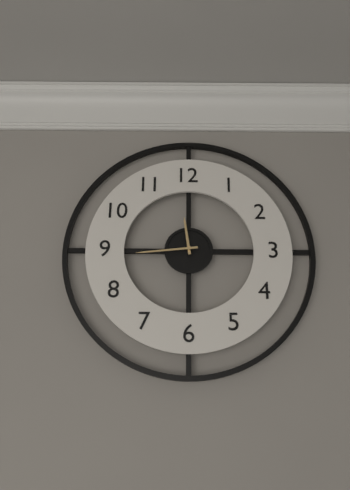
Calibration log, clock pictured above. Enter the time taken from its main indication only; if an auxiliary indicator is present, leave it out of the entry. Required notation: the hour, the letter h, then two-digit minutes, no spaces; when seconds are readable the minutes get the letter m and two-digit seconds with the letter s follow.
11h44
